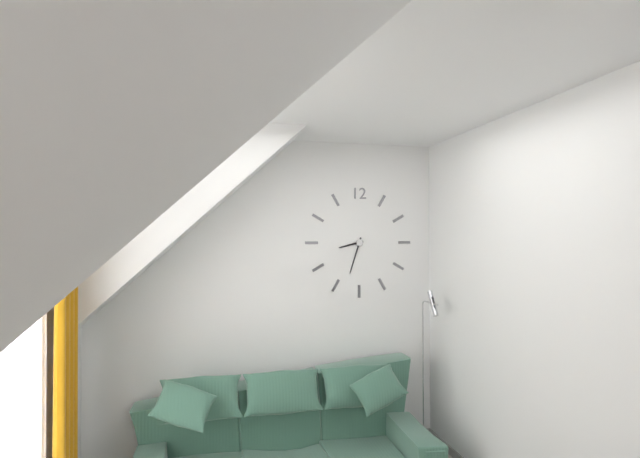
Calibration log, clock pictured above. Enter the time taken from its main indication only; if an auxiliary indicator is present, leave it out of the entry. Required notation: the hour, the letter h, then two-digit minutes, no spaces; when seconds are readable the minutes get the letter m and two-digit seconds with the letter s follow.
8h33
